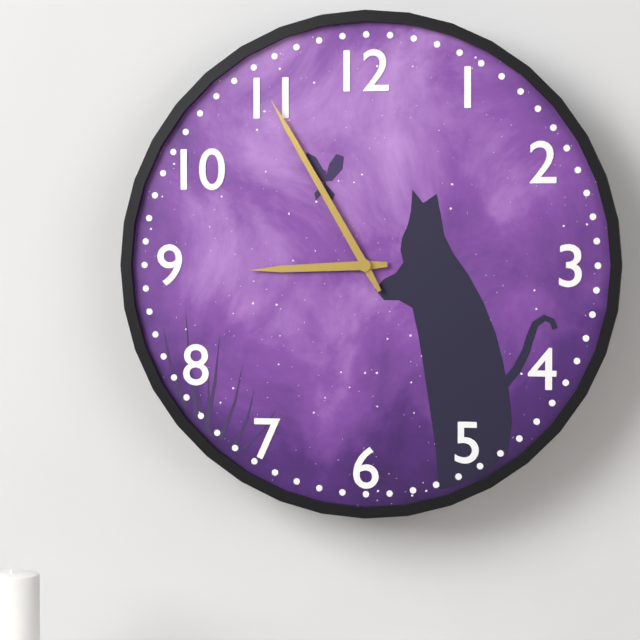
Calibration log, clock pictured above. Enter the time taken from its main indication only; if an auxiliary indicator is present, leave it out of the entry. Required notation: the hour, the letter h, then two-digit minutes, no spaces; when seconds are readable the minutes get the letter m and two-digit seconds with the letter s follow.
8h55
